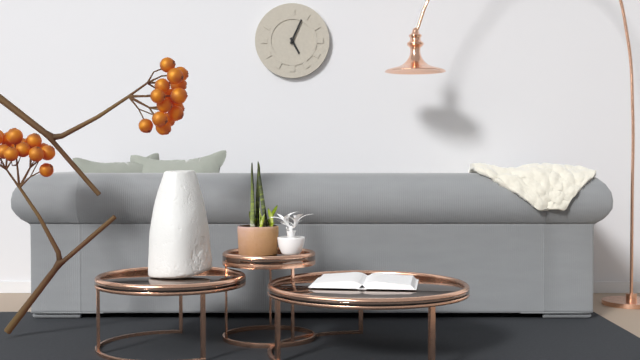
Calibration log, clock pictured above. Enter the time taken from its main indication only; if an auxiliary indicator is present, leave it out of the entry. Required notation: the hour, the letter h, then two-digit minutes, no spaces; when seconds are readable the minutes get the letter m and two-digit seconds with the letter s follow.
5h04
